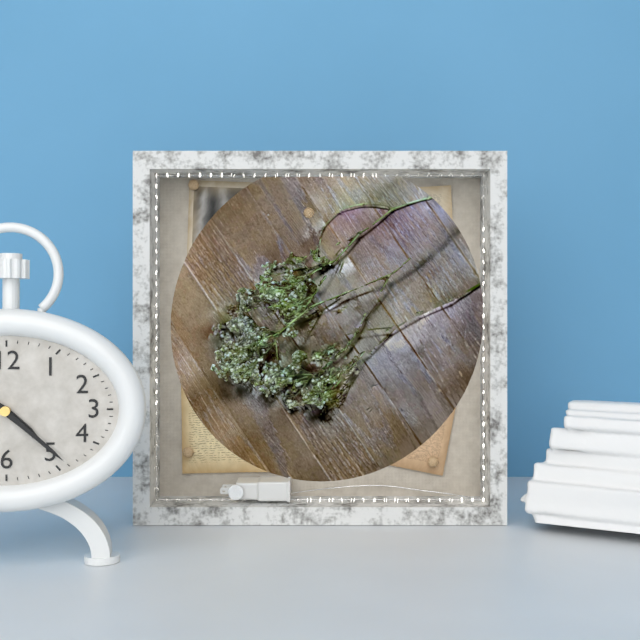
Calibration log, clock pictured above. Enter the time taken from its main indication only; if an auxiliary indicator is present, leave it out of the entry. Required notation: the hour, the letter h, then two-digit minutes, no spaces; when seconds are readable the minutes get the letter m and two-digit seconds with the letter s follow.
4h22
